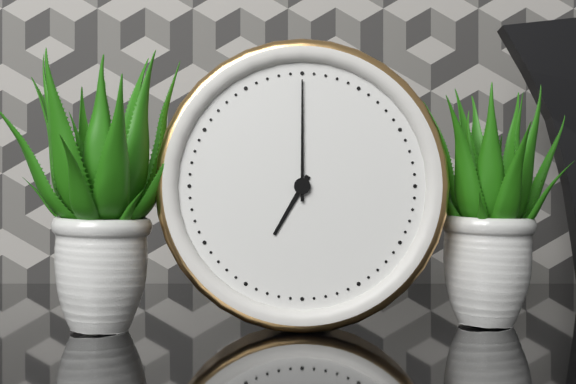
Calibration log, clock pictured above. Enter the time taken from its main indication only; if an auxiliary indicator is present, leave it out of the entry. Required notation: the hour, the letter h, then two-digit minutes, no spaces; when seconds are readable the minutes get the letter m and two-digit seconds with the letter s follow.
7h00
